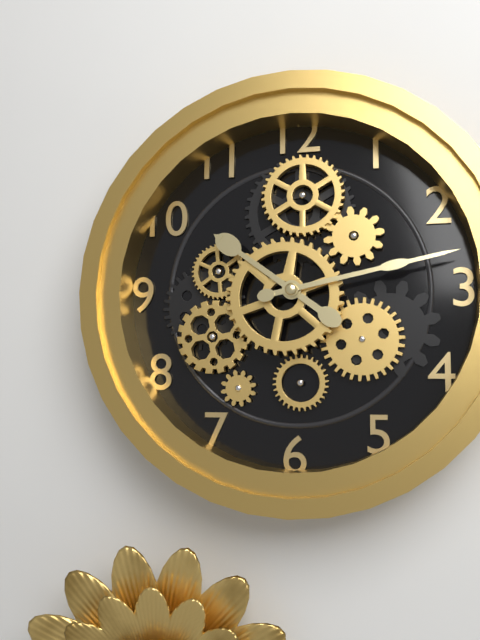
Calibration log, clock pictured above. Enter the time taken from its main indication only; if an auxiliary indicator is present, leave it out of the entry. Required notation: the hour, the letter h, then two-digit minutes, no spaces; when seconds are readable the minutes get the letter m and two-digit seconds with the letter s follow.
10h13
